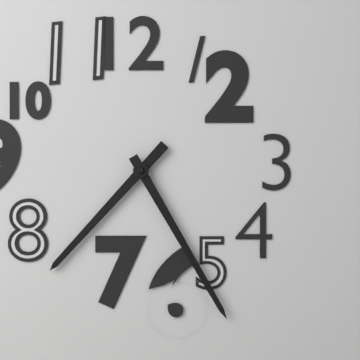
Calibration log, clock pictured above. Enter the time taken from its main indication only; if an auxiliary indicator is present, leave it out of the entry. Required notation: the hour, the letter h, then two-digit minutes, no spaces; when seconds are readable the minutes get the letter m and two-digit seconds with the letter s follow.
7h25
